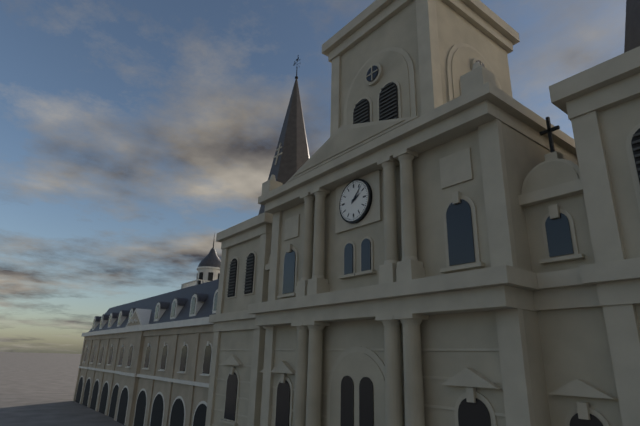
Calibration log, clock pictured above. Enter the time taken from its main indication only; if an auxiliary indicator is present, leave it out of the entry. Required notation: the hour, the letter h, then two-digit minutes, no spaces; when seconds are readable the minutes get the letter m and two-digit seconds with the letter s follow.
2h07
